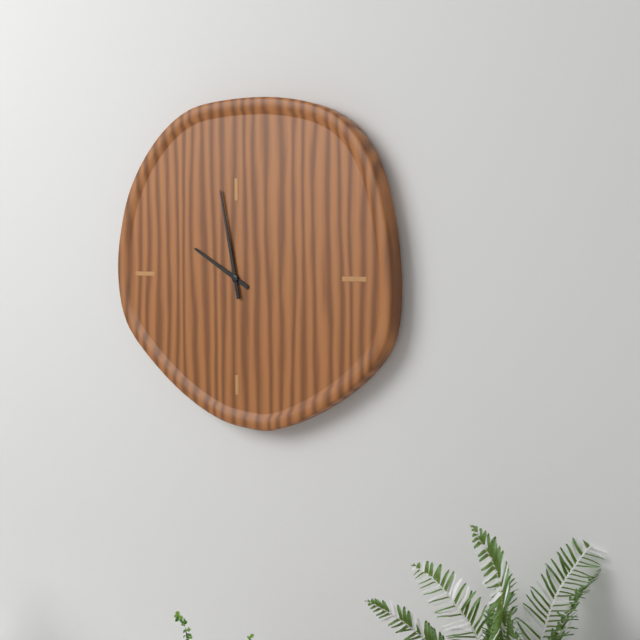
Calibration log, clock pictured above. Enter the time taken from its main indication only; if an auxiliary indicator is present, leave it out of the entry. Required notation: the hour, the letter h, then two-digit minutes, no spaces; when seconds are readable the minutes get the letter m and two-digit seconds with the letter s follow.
9h58
